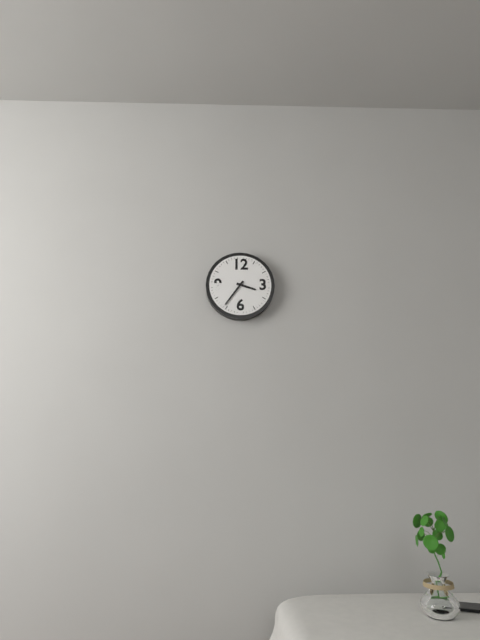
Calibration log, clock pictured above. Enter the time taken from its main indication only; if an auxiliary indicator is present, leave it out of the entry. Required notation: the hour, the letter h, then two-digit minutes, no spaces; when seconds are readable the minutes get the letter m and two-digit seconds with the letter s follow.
3h36
